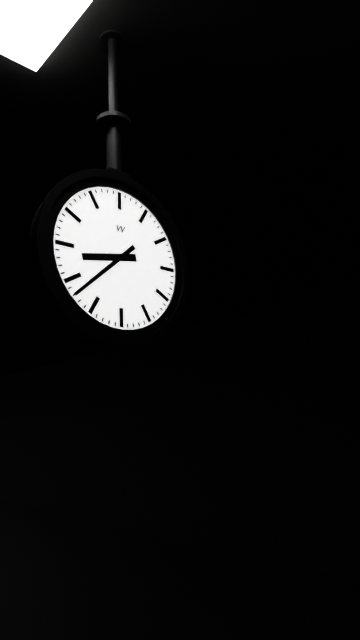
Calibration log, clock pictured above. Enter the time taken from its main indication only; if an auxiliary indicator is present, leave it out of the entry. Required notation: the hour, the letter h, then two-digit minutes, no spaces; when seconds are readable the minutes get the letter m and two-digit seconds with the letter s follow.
8h38
